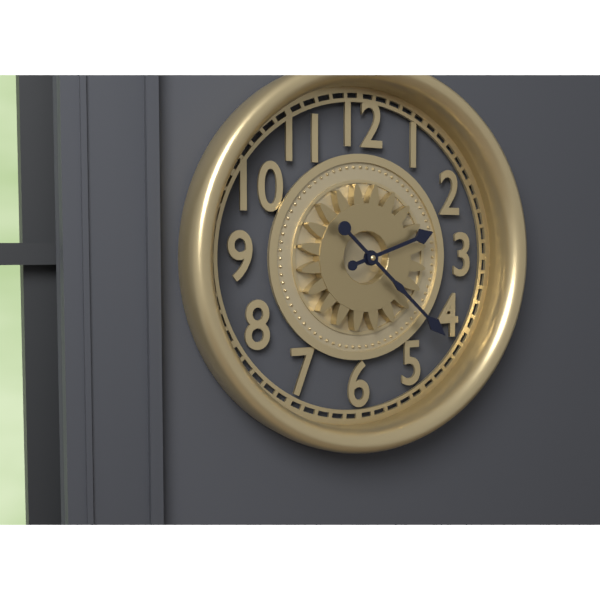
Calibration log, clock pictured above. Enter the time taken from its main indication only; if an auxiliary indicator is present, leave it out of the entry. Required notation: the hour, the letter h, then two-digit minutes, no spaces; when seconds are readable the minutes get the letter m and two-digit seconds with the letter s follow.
2h22
